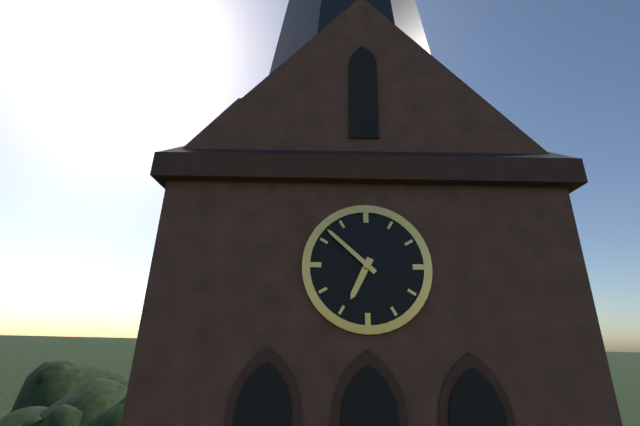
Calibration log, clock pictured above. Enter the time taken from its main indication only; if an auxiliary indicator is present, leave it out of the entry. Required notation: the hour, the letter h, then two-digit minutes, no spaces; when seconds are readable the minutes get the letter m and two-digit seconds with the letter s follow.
6h52
